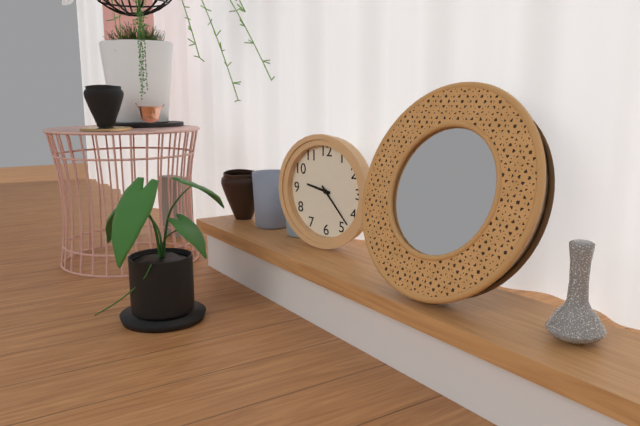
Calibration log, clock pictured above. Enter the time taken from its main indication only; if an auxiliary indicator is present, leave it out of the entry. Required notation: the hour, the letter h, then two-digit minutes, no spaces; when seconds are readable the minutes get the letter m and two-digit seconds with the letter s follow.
9h23
